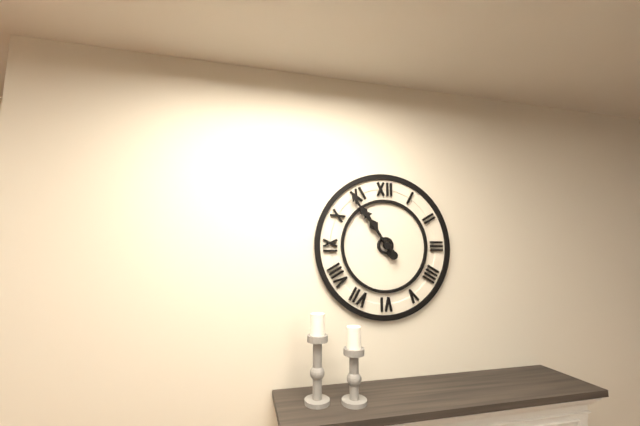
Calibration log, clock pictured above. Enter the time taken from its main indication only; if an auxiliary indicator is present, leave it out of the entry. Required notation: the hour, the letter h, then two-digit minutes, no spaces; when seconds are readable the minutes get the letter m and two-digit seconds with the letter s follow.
10h54
